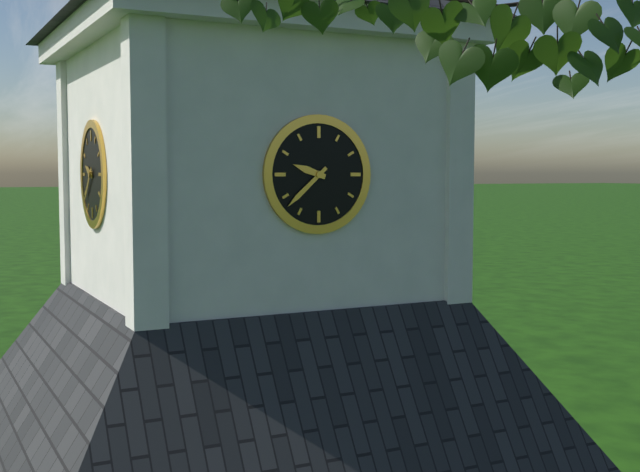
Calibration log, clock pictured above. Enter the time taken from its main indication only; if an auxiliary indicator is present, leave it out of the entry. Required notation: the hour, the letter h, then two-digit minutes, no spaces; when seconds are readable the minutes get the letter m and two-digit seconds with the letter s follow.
9h38
